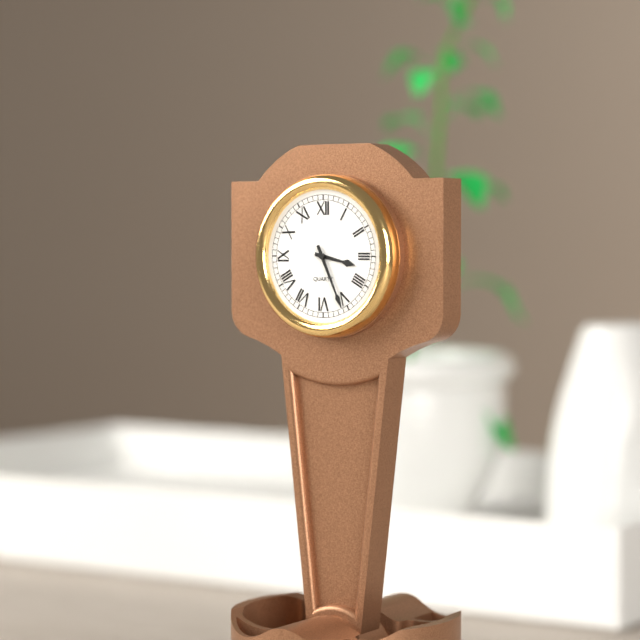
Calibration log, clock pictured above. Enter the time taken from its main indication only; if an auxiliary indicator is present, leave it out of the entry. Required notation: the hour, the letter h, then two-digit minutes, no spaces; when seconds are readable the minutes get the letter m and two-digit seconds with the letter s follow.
3h26
